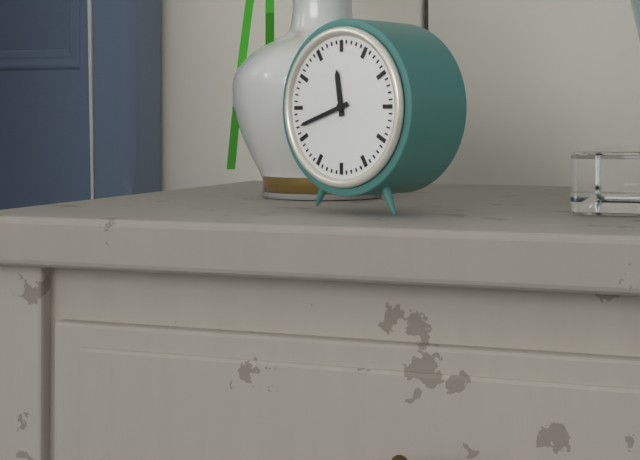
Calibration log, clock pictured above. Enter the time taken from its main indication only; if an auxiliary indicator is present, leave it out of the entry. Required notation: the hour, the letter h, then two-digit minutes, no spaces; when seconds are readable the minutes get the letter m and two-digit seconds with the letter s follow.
11h42
